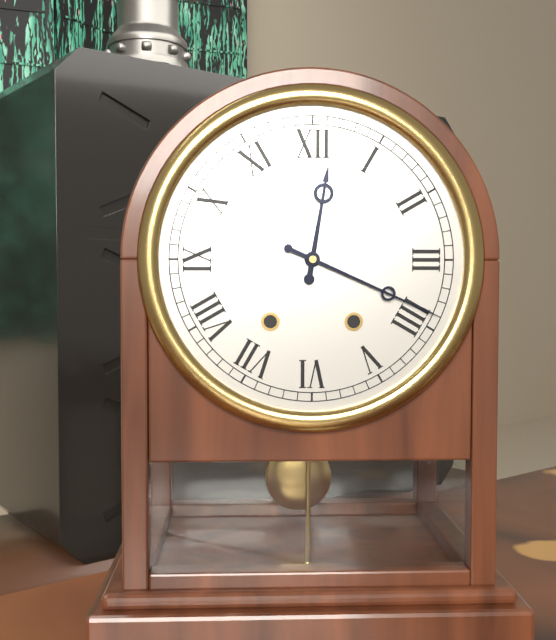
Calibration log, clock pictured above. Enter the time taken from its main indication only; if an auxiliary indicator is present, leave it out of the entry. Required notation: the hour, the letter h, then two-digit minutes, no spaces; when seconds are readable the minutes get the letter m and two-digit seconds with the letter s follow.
12h19
